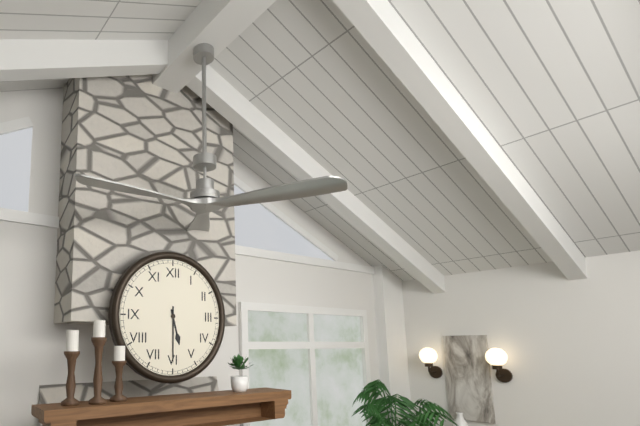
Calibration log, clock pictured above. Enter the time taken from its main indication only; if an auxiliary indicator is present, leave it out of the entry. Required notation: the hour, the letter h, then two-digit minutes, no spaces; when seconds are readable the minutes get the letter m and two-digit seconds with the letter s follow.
5h30
